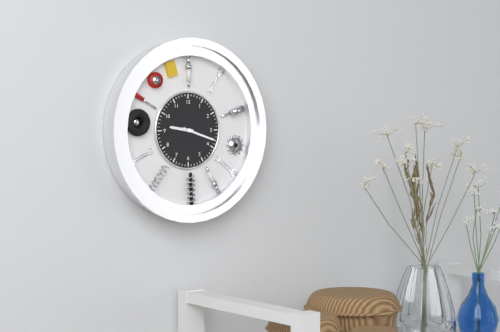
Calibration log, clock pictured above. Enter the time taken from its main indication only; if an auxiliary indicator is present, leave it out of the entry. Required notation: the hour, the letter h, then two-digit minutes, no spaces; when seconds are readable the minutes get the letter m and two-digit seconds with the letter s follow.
9h18
